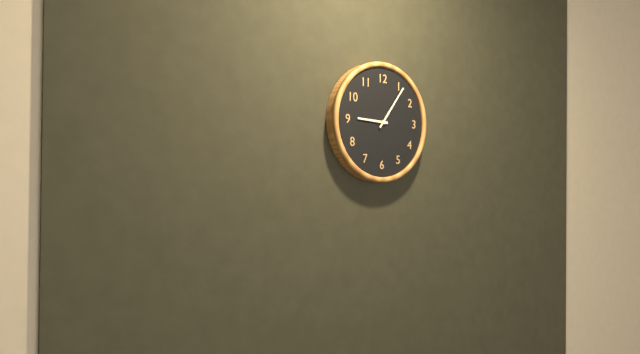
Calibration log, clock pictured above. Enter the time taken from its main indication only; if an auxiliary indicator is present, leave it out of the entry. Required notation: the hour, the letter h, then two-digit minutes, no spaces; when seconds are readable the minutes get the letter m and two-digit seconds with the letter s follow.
9h06
